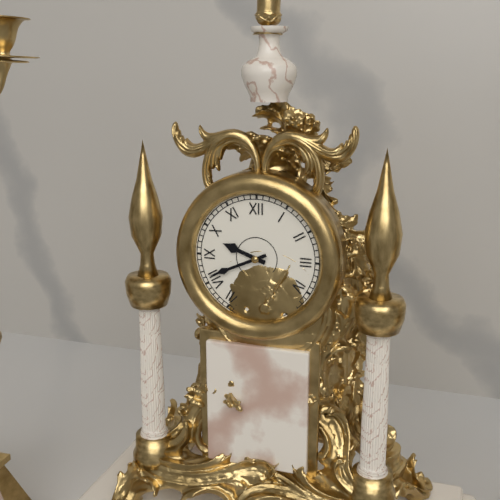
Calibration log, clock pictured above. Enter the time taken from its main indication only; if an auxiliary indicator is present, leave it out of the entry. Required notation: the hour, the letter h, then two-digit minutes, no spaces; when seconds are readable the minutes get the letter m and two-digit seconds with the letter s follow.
9h41
